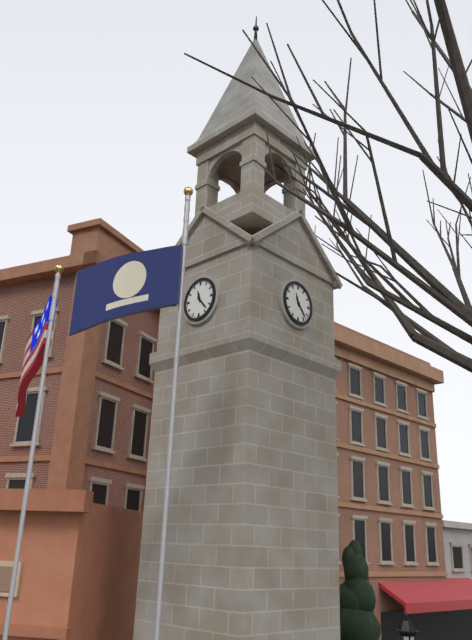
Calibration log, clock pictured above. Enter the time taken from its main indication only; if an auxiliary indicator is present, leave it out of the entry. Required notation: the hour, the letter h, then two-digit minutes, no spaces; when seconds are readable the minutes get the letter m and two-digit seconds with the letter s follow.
11h23
